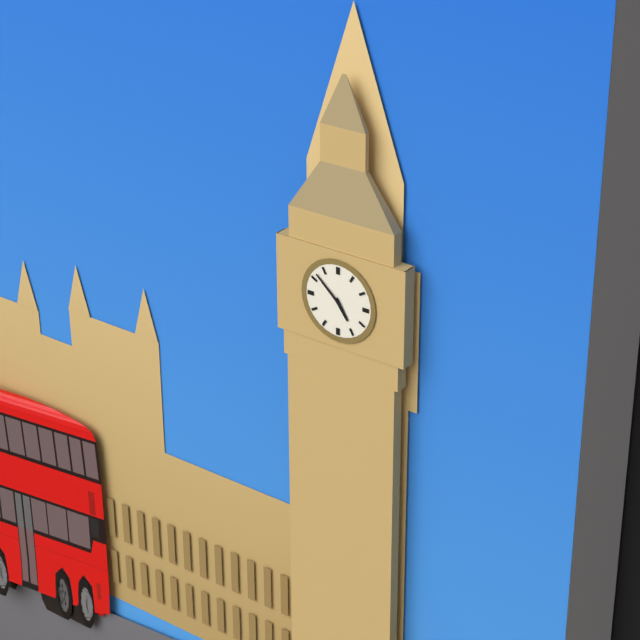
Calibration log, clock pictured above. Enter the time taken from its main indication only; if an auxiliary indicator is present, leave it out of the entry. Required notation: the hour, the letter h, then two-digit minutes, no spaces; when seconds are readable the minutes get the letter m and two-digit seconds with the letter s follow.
4h52
